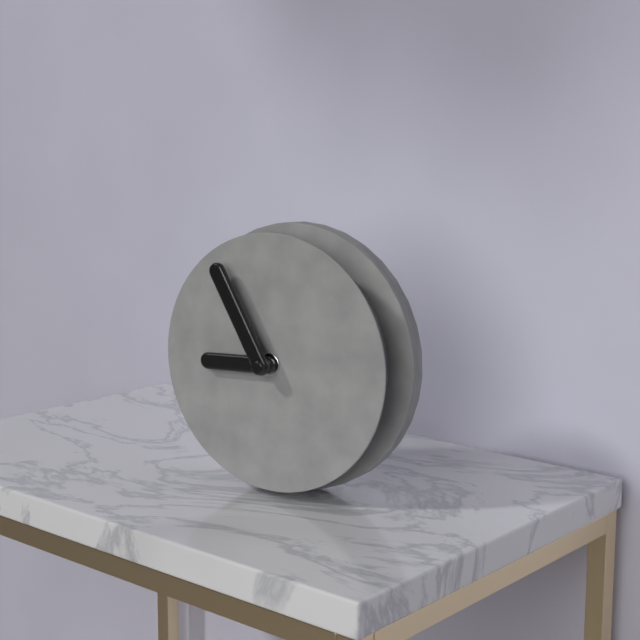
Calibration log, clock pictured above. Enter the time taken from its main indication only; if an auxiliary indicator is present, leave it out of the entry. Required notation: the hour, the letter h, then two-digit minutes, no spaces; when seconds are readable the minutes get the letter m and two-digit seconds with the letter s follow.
8h55
